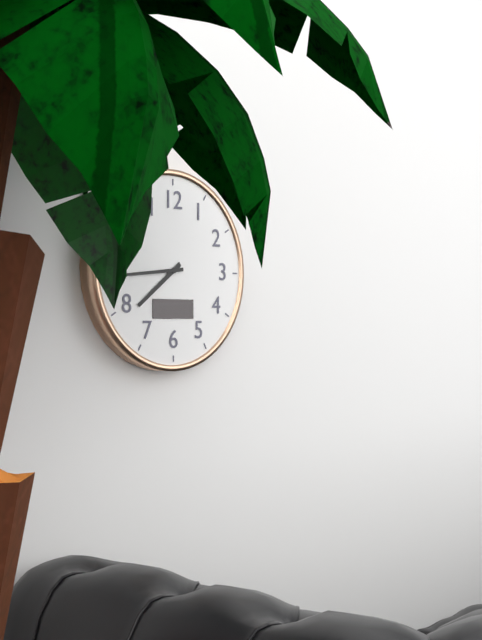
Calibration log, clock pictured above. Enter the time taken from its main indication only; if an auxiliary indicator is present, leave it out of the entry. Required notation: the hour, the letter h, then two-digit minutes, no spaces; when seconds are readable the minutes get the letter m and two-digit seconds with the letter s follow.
7h44
